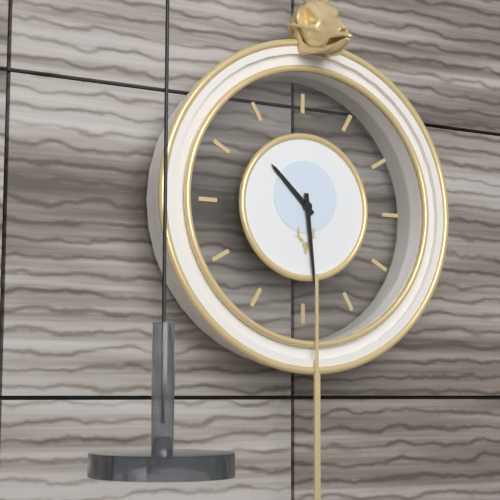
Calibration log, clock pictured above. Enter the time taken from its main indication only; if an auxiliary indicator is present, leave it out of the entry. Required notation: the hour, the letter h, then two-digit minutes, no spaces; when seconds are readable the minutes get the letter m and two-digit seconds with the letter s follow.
10h29
